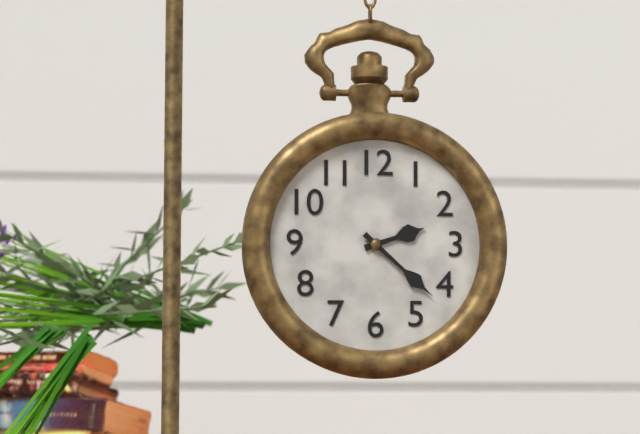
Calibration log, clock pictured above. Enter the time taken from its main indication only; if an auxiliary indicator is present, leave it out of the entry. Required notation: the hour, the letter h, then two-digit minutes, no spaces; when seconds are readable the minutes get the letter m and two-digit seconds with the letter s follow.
2h22
